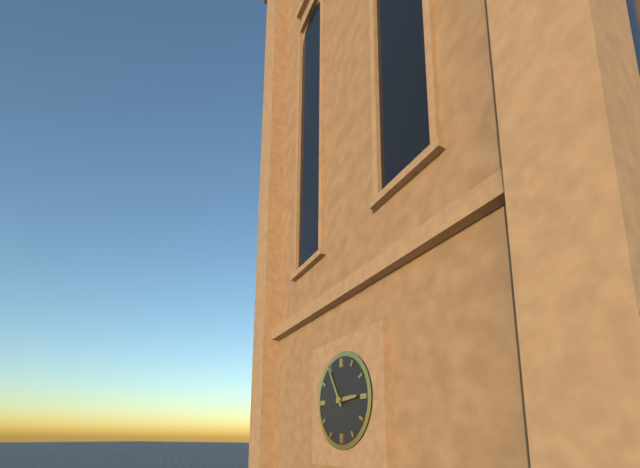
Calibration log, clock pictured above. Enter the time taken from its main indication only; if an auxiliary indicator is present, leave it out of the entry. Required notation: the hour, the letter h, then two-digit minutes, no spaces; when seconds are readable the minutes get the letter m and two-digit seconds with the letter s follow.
2h55
